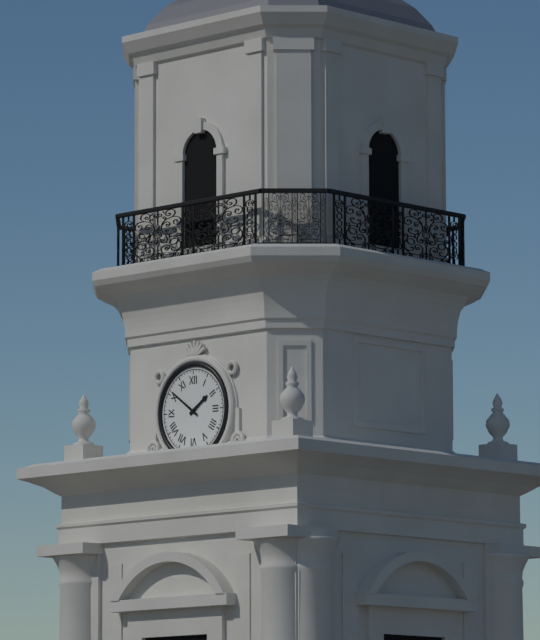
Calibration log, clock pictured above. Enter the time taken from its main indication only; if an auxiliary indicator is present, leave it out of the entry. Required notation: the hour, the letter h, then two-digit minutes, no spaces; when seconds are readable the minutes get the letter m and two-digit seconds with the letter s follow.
1h51
